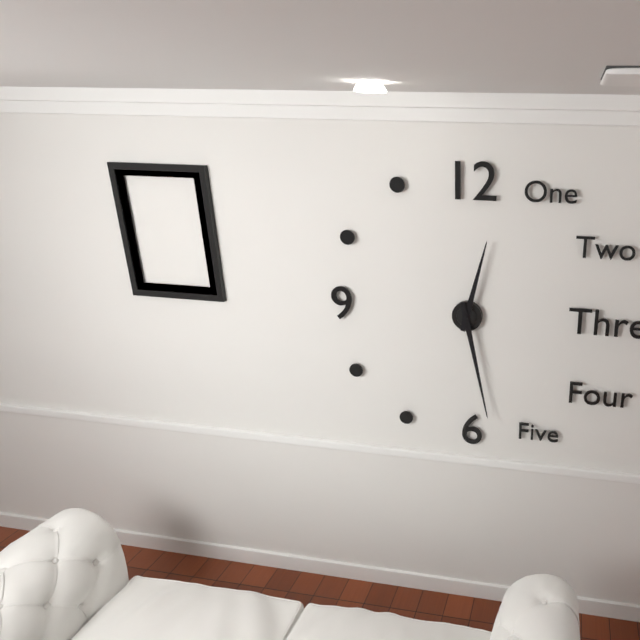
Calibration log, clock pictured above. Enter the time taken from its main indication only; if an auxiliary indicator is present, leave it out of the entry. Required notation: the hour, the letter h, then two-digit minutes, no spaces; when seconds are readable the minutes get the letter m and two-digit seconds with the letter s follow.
12h28
